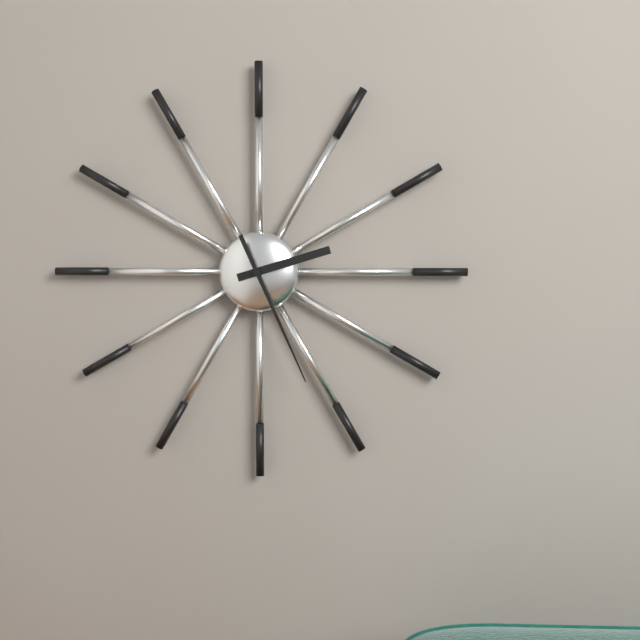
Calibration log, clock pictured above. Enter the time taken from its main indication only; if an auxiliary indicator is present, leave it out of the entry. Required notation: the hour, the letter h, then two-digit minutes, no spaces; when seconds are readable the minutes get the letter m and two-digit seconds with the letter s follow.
2h26
